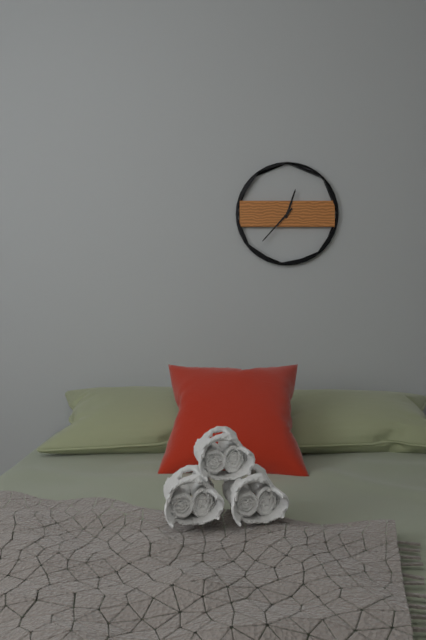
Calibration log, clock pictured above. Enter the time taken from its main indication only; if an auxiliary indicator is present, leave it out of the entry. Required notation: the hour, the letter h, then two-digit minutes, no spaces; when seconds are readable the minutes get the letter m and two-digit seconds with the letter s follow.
12h37
